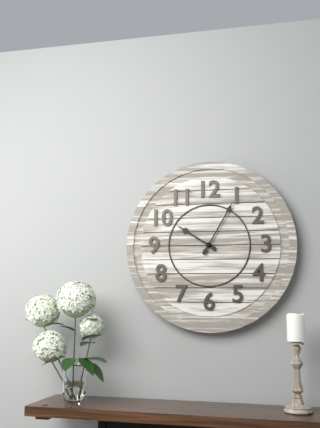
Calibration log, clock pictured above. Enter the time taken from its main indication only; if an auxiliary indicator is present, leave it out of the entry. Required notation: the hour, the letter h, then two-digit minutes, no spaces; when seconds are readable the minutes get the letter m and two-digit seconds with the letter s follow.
10h05
